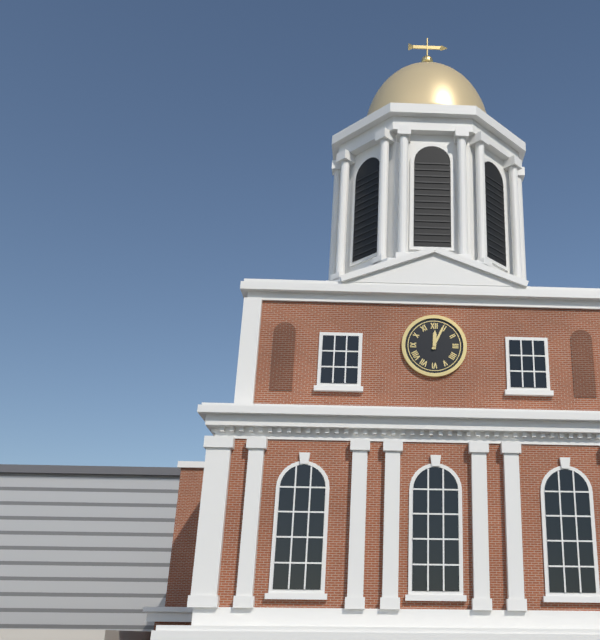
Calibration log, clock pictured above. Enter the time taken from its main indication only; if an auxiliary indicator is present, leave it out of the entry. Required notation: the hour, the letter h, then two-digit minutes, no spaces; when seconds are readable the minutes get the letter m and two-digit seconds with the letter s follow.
12h04
